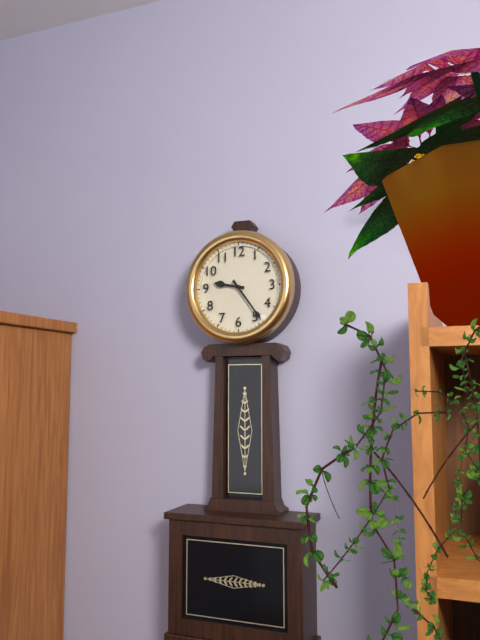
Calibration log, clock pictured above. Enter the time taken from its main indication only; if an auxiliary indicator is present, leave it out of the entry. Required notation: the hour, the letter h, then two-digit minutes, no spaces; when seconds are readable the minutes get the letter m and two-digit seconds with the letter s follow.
9h24
